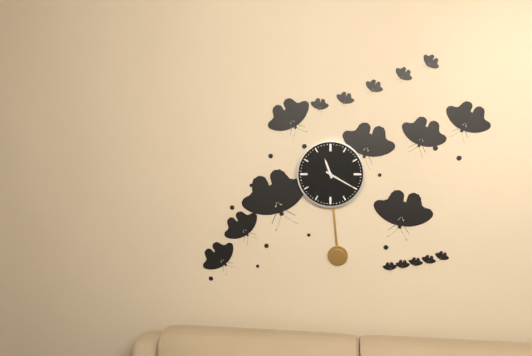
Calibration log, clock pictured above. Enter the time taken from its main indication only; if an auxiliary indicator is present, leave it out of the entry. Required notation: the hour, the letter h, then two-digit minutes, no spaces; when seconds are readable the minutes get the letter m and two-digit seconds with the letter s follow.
11h20
